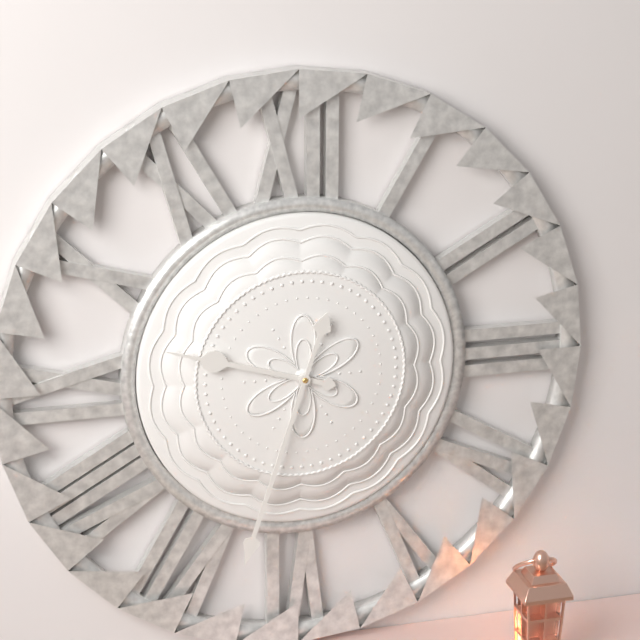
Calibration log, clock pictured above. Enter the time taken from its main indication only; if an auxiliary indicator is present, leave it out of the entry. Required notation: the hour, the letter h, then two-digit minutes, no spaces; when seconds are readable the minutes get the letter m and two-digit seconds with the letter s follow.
9h33
